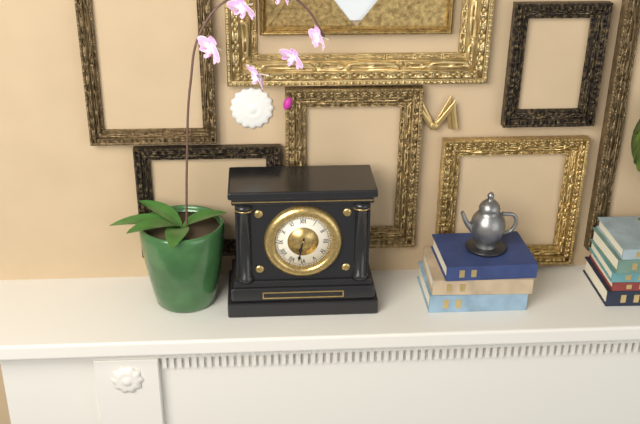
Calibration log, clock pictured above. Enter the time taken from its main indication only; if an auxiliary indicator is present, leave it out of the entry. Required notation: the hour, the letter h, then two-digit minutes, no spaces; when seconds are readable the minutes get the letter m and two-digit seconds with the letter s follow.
6h32
